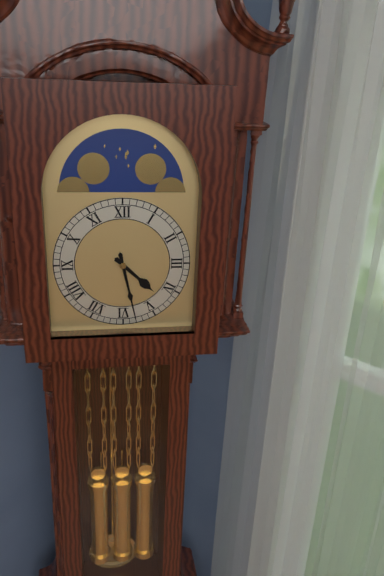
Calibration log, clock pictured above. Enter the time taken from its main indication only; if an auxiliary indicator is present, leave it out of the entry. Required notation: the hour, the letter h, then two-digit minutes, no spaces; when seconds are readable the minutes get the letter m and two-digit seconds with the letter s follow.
4h28
